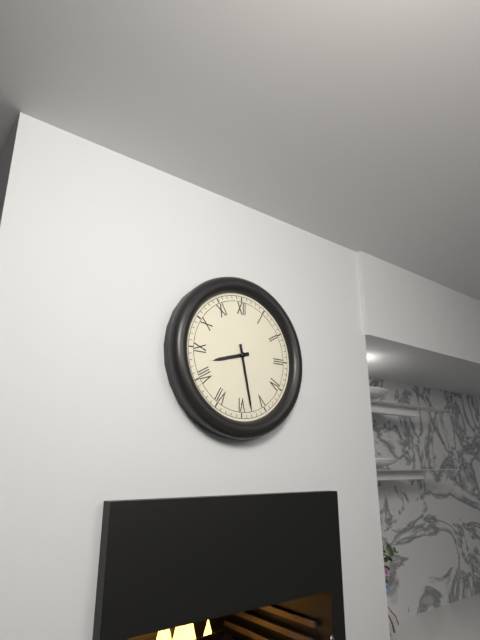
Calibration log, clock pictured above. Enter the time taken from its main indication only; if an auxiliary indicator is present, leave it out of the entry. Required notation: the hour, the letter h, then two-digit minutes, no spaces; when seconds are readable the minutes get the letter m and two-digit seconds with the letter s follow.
8h28
